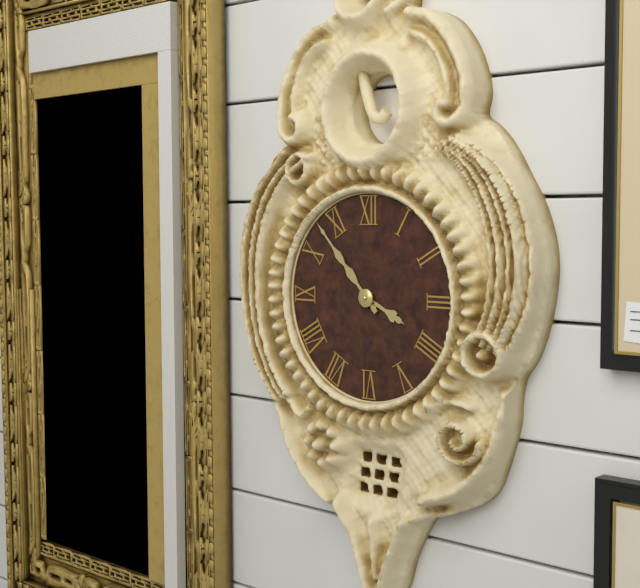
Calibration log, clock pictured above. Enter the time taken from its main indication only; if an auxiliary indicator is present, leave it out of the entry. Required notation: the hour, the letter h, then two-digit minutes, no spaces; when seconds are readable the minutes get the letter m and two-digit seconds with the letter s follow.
3h53
